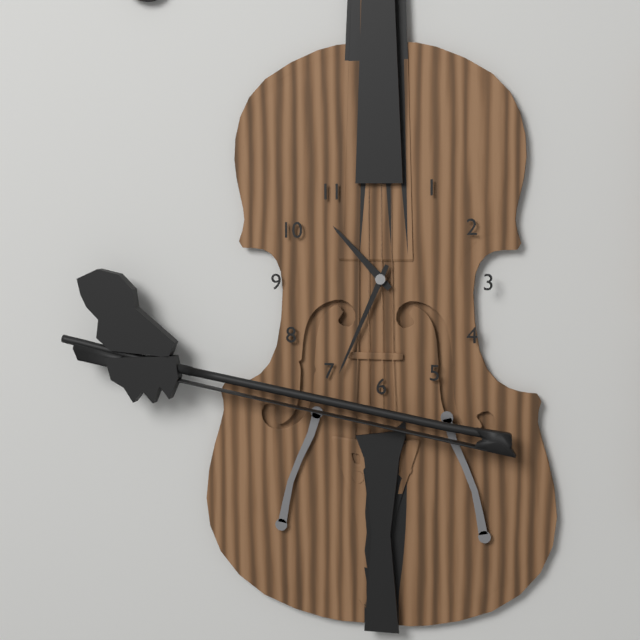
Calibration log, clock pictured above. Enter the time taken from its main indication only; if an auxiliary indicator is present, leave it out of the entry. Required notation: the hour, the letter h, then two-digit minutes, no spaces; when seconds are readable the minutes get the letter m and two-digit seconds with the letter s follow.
10h34
